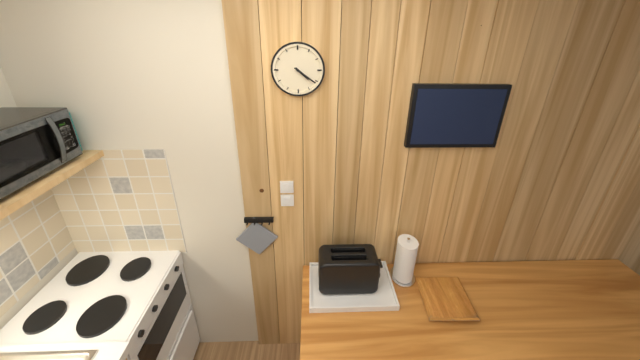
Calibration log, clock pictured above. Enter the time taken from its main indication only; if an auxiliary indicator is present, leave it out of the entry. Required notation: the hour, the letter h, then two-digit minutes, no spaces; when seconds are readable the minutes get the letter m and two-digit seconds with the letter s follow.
4h21
